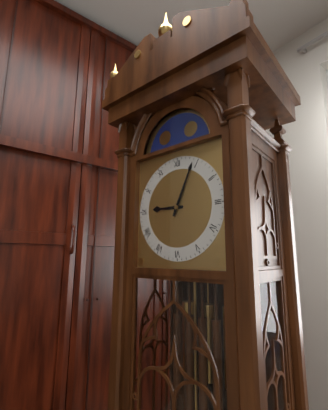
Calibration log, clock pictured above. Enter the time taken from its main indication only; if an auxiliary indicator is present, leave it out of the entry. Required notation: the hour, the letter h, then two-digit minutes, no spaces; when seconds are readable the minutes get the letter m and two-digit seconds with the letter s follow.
9h04
